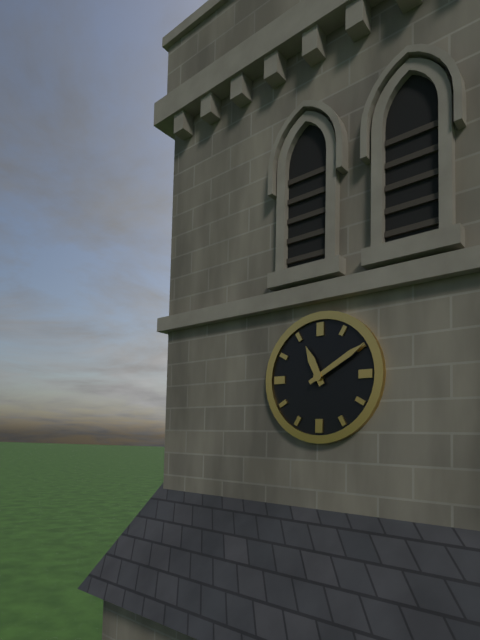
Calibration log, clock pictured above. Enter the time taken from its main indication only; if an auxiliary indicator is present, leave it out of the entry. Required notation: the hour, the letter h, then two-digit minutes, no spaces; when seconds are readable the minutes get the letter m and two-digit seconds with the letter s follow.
11h10
